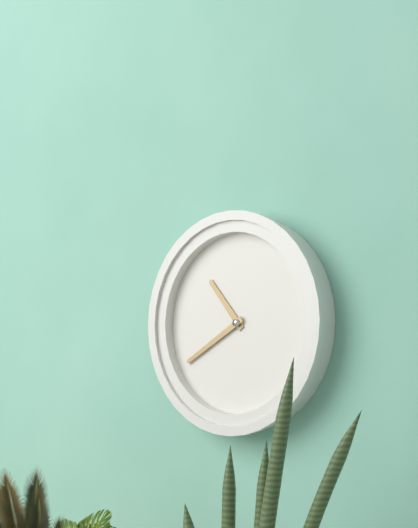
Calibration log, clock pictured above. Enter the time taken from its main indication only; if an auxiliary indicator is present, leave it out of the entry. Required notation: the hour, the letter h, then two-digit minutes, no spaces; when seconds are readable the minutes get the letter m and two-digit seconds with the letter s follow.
10h40
